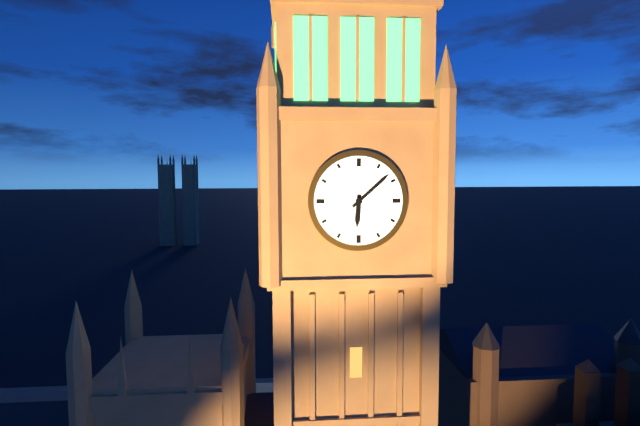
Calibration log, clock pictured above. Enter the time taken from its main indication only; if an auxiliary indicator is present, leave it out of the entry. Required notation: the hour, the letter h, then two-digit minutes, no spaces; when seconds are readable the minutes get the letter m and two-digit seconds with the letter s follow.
6h08
